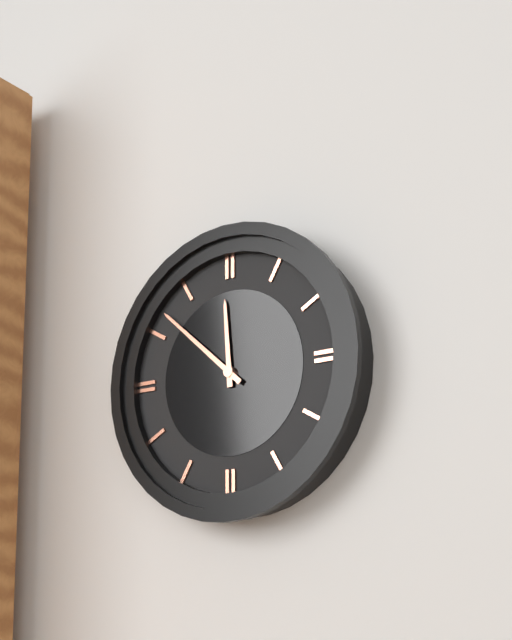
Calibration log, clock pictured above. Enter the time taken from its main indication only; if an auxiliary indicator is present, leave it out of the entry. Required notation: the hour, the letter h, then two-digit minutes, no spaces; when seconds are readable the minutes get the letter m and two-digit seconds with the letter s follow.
11h52
